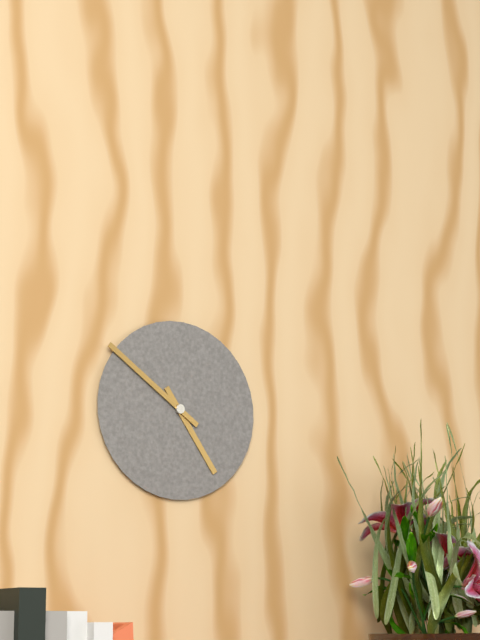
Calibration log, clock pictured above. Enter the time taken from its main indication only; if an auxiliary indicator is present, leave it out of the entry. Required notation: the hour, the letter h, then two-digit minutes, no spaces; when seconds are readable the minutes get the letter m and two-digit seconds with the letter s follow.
4h51
